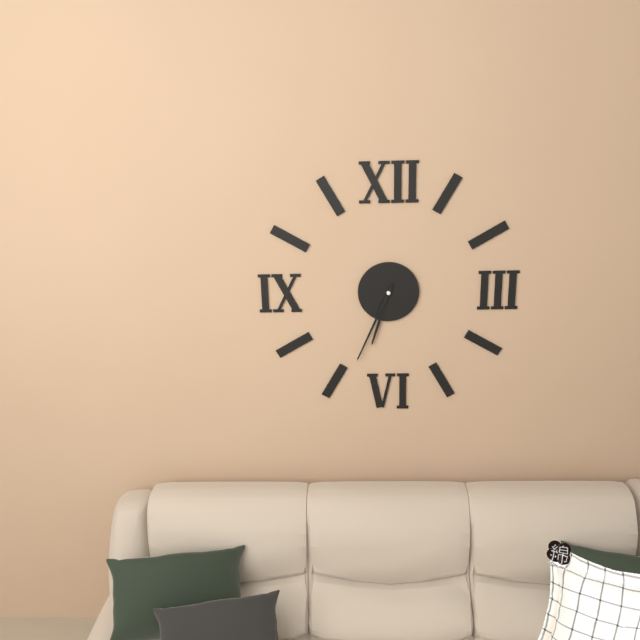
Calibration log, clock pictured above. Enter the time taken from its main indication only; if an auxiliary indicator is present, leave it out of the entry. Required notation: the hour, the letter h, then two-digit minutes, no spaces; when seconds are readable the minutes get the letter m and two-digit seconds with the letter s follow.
6h34
